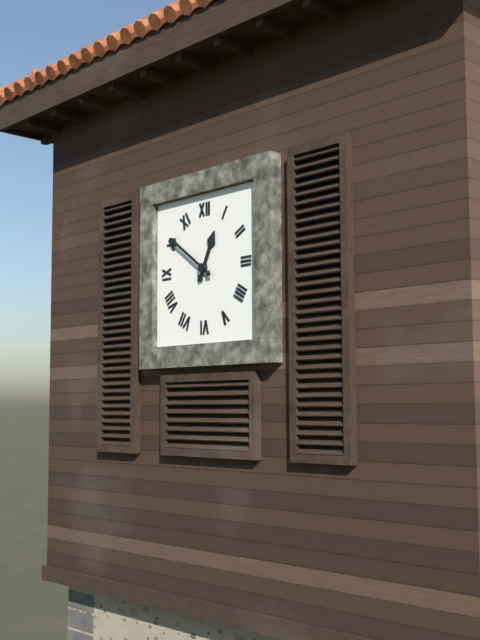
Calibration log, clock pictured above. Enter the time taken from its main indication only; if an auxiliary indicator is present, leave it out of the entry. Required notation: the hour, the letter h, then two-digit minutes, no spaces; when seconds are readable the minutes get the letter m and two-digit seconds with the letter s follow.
12h51
